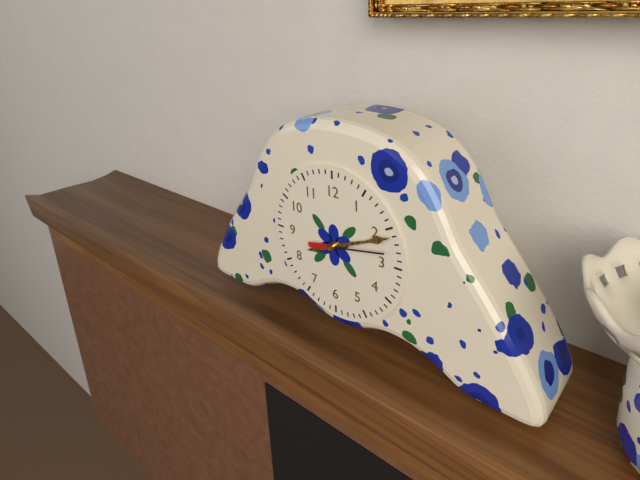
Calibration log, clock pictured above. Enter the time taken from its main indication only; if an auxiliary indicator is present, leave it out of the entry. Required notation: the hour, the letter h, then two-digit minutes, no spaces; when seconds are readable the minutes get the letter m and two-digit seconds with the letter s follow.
8h11
